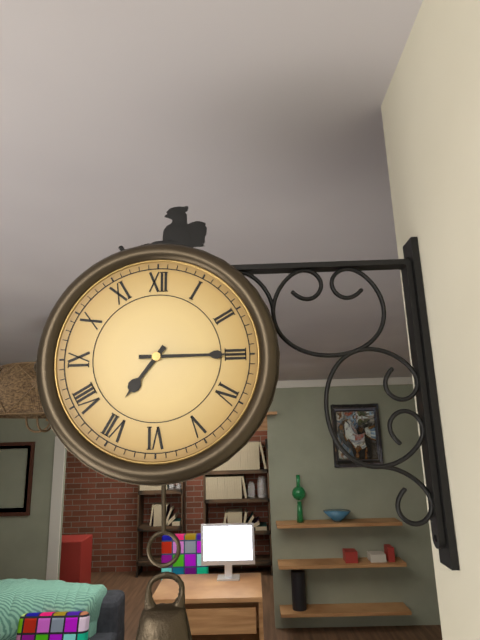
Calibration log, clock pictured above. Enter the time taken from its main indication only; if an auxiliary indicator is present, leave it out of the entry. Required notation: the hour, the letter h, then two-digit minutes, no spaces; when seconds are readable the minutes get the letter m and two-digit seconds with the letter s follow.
7h15
